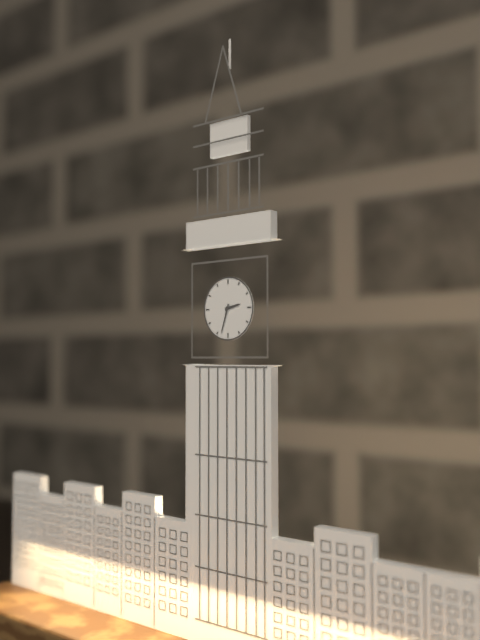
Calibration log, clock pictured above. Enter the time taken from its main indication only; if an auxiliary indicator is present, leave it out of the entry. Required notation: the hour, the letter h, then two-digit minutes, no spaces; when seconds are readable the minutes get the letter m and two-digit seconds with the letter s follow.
2h33
